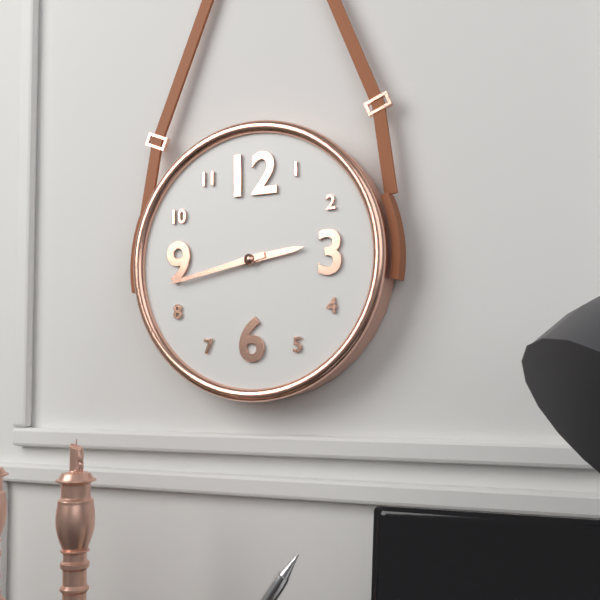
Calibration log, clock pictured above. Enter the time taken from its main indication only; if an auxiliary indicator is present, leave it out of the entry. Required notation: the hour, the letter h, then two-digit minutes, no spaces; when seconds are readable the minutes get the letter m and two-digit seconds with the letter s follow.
2h43
